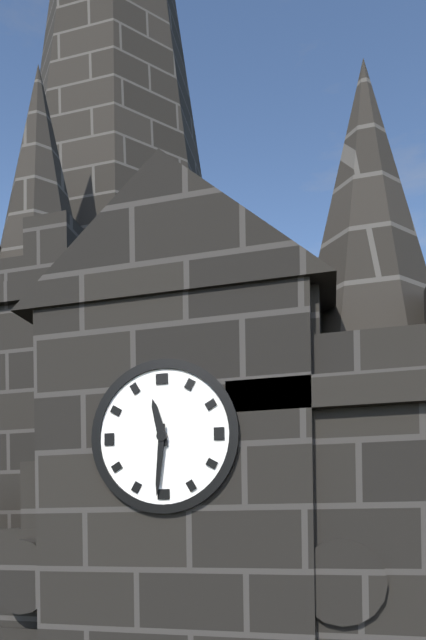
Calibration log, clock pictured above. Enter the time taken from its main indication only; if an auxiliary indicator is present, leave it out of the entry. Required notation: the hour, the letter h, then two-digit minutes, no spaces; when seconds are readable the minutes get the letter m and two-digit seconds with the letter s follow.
11h31
